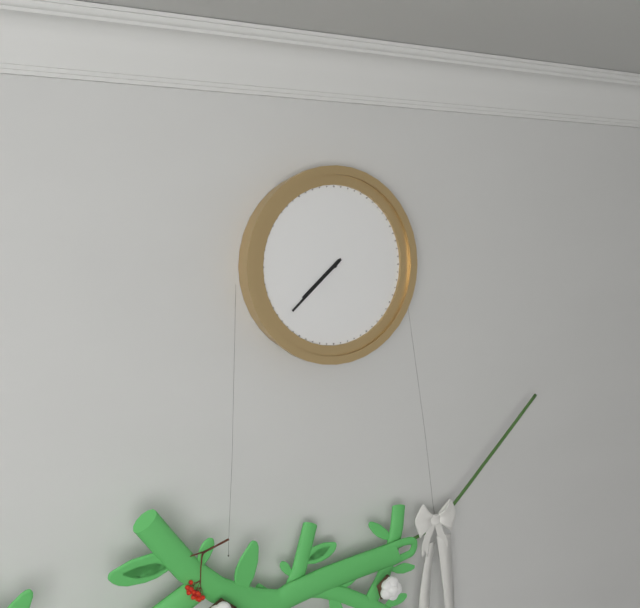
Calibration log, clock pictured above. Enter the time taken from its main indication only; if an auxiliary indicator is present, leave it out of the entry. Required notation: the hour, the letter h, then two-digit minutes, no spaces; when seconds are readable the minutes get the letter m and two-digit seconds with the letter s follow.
7h38
